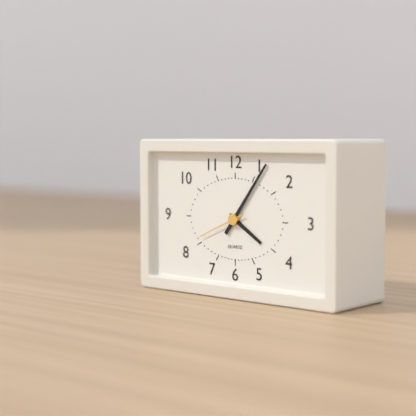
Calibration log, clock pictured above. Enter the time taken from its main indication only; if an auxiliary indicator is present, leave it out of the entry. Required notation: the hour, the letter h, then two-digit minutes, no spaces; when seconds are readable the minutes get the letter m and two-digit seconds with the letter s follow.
4h06
